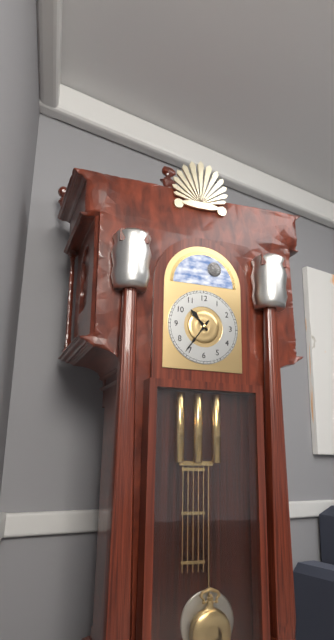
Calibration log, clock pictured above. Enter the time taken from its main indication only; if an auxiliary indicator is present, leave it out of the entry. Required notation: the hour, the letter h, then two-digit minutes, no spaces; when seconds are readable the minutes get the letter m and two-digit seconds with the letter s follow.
10h36
